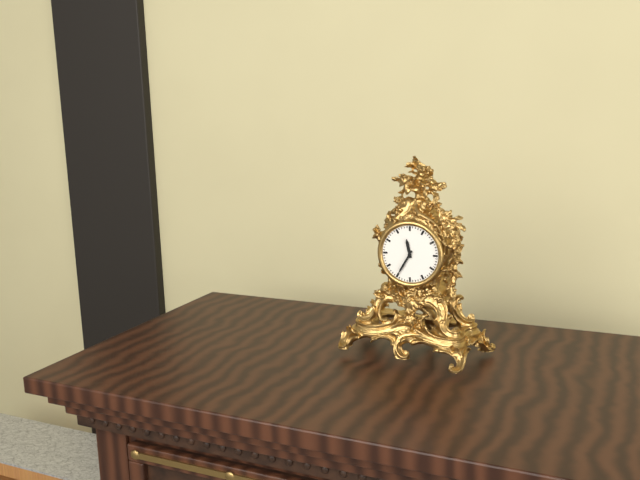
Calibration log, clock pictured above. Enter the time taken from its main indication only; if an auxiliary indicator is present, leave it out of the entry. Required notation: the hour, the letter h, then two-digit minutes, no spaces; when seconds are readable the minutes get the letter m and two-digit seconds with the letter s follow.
11h35
